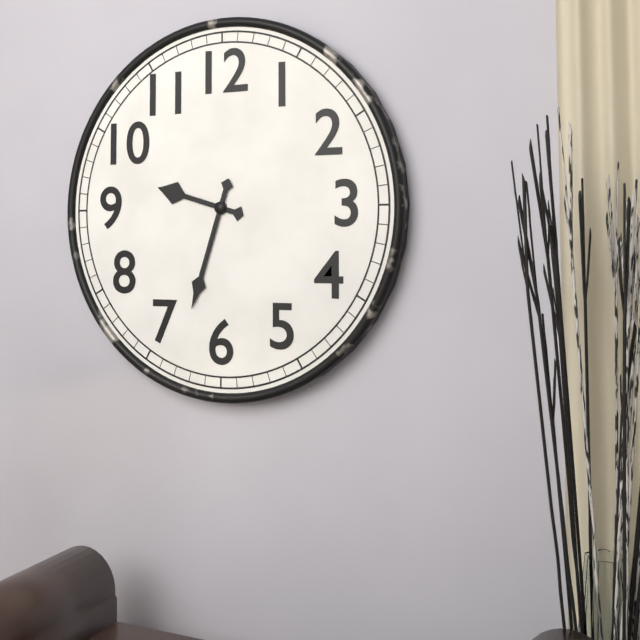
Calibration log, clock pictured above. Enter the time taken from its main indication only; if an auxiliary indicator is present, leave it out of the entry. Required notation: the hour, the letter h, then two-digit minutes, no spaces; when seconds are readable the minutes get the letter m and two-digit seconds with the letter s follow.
9h33
